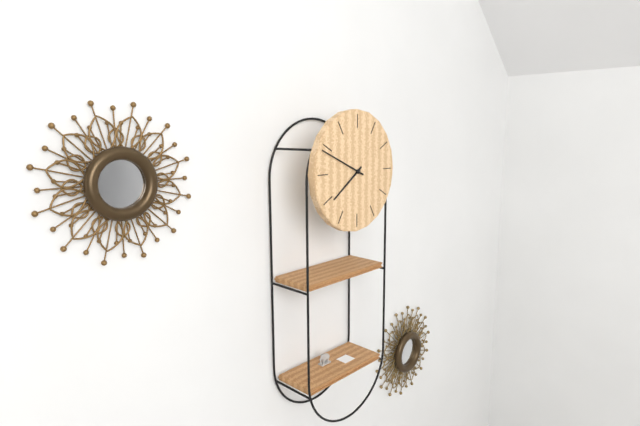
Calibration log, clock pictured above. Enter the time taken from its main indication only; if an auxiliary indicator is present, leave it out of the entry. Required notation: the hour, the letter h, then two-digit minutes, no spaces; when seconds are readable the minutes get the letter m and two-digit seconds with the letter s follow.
7h49
